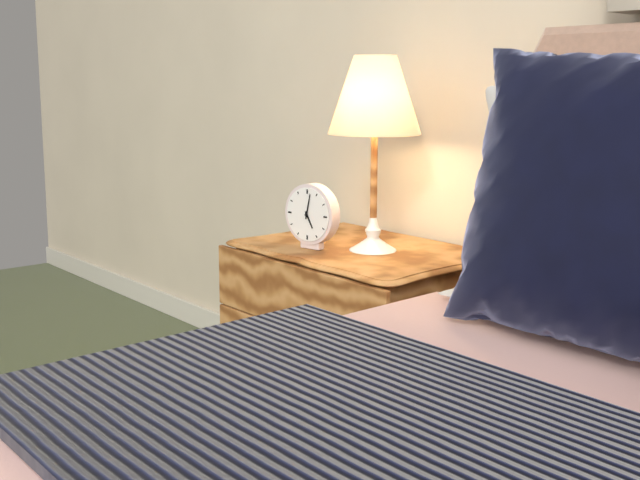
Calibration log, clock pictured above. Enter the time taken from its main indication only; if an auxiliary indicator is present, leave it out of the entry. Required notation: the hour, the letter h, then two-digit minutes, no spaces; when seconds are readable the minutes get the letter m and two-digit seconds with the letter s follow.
5h02
